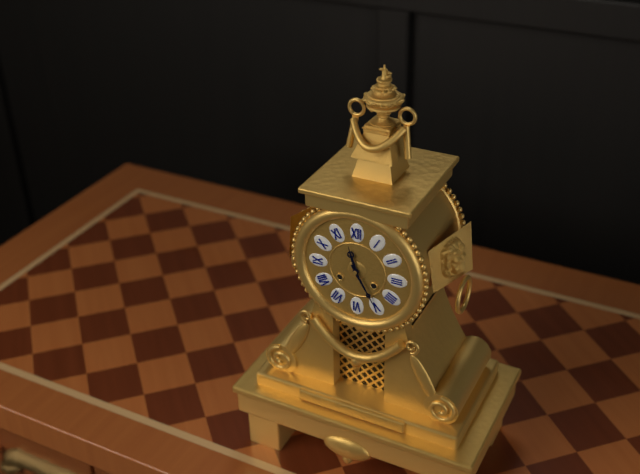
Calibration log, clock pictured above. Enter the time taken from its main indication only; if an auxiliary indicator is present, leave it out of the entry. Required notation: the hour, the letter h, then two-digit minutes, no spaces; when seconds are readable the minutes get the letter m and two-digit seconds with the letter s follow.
11h25
